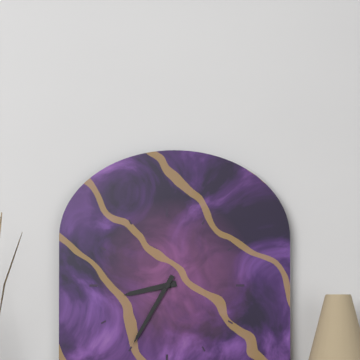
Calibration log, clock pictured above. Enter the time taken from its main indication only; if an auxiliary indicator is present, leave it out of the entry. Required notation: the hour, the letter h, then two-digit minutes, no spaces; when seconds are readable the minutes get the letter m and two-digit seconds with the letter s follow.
8h35
